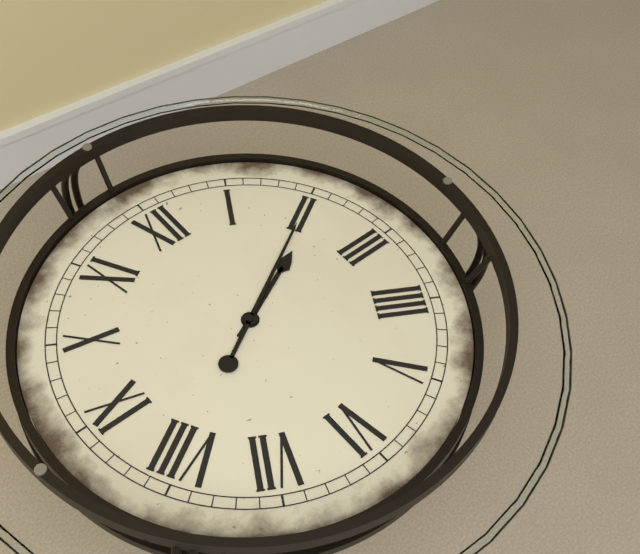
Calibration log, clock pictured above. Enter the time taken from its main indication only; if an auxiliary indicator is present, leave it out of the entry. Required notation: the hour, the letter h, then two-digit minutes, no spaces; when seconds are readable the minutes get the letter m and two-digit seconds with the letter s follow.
2h10
